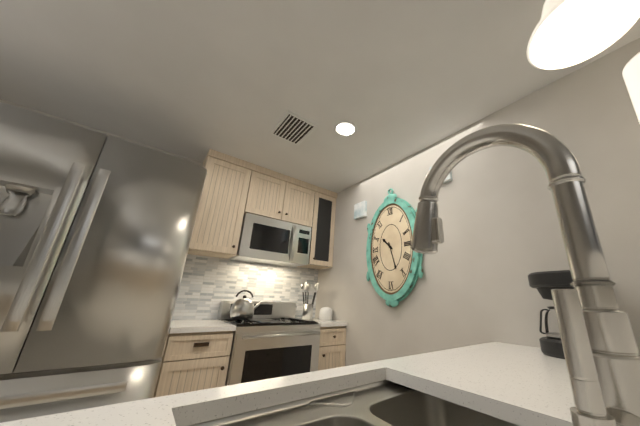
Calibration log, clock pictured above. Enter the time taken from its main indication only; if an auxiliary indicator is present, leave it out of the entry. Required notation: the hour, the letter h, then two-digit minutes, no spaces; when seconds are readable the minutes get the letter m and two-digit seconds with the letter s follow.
10h27
